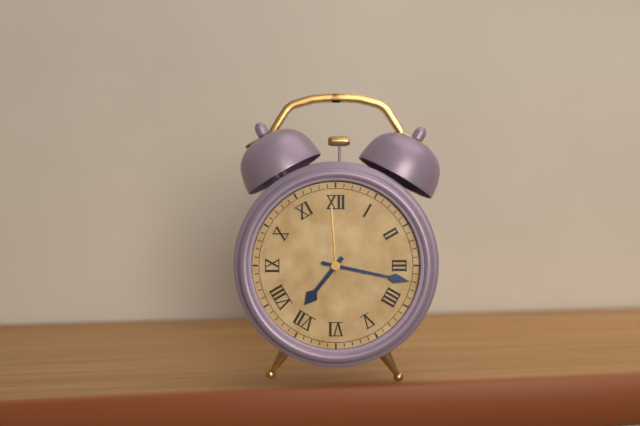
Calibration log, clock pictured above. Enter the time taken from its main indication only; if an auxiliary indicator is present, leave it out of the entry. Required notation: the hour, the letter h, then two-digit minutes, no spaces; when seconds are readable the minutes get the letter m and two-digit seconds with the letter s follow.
7h17
